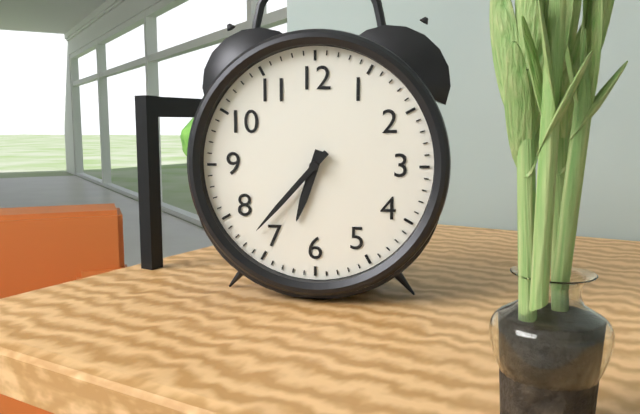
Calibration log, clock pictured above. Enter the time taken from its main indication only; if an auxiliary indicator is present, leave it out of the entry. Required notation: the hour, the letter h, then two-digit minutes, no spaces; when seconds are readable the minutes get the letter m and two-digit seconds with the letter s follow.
6h37
